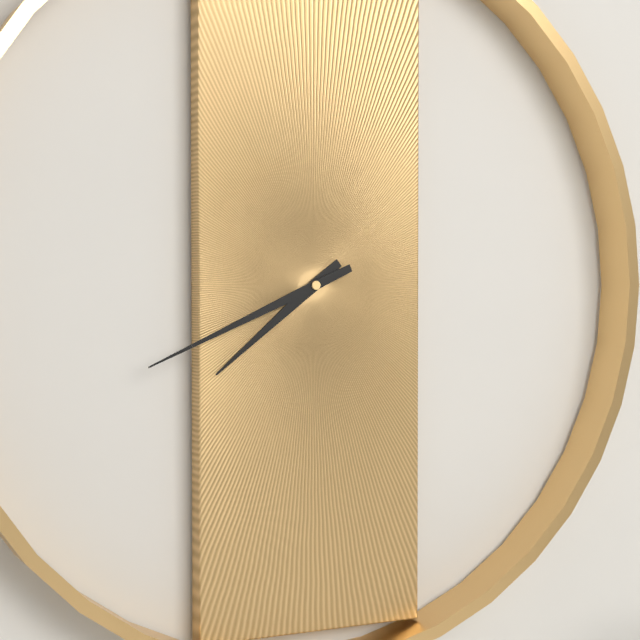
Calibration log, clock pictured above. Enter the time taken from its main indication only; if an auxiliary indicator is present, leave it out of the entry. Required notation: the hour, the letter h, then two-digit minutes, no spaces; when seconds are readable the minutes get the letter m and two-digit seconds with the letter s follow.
7h41
